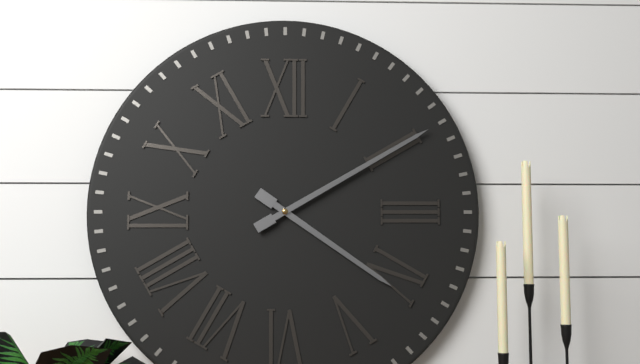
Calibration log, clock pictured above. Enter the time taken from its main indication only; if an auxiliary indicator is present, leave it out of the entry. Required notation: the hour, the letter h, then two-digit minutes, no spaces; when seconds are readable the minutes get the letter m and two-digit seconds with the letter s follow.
4h10
